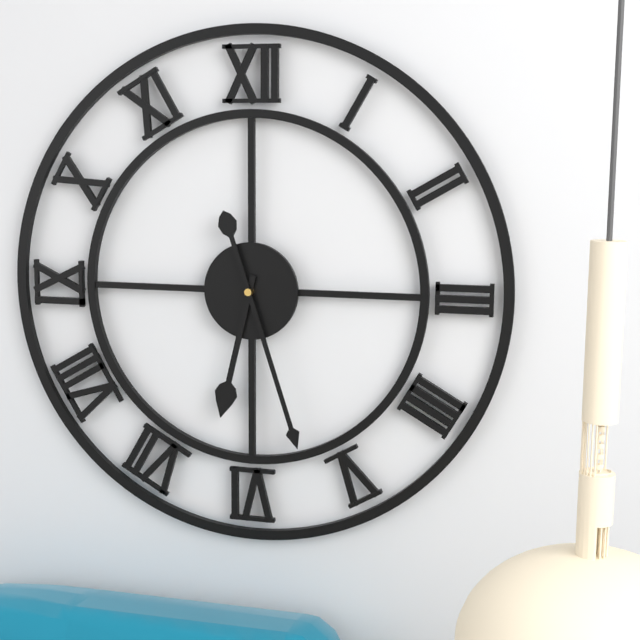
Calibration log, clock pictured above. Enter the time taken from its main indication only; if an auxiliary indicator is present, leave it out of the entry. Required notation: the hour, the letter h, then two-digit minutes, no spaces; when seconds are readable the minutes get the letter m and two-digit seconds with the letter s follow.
6h27
